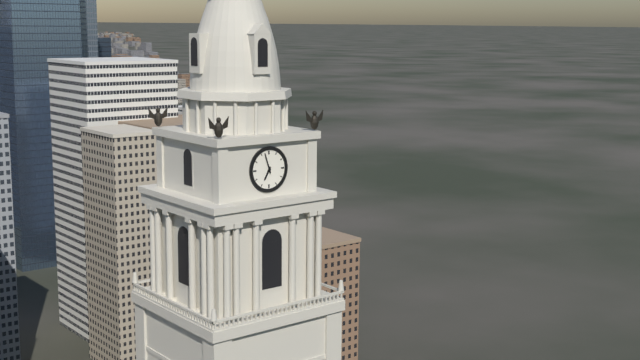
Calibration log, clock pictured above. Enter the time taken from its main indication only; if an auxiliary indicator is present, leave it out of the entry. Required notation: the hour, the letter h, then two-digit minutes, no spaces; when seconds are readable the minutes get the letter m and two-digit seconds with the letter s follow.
6h57
